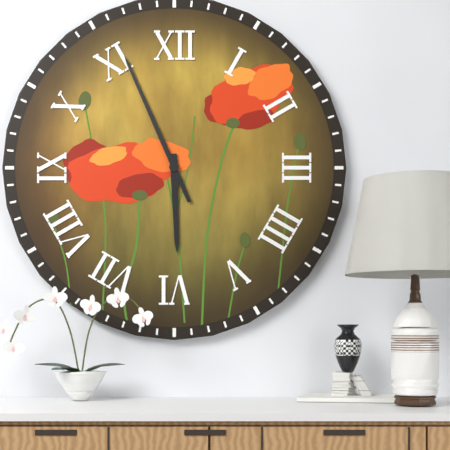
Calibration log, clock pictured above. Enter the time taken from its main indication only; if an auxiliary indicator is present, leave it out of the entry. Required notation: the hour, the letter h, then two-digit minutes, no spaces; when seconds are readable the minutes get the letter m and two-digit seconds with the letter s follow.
5h56
